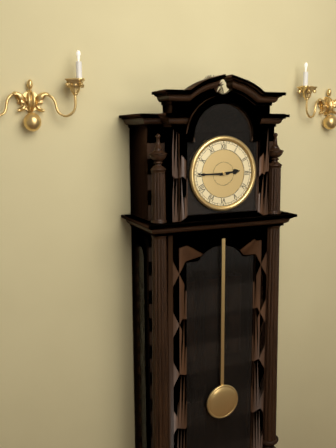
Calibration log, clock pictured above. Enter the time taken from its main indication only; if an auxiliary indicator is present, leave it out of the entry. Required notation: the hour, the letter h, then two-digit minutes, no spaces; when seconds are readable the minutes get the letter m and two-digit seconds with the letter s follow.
2h45
